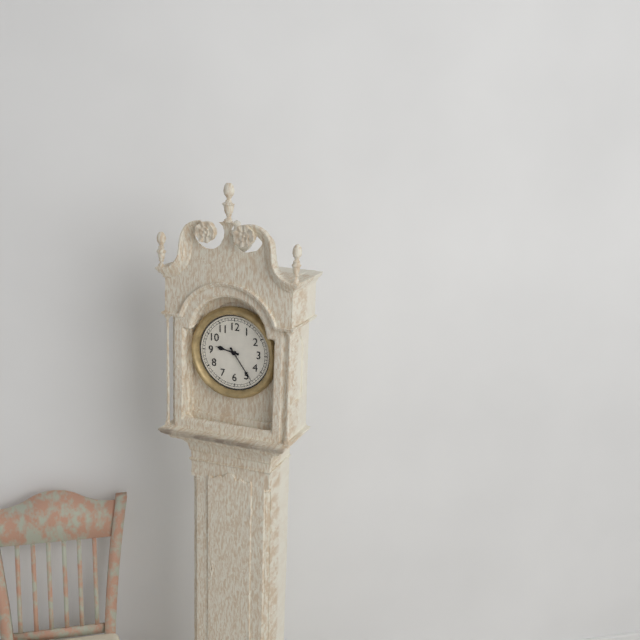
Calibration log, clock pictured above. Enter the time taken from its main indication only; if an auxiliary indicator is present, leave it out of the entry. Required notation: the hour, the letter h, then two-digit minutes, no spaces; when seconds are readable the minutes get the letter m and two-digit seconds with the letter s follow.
9h24
